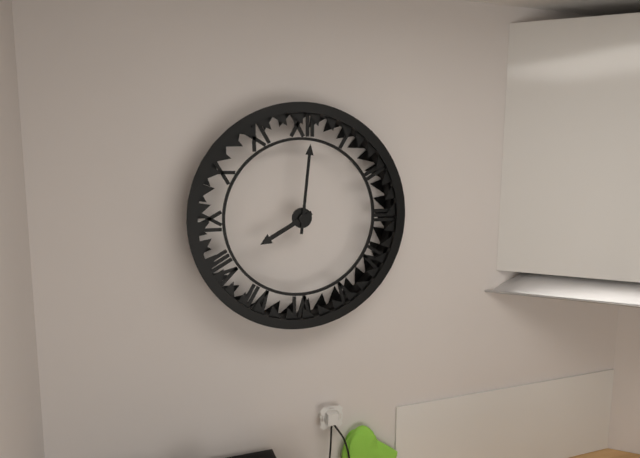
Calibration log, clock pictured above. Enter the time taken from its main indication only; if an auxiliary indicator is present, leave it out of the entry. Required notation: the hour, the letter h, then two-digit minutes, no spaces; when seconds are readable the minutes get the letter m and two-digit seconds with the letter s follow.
8h01
